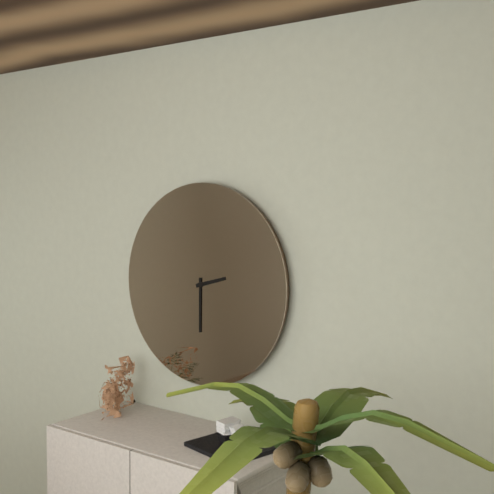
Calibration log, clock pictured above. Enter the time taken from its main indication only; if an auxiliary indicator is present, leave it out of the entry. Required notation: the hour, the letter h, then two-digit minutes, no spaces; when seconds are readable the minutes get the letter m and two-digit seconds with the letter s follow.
2h30
